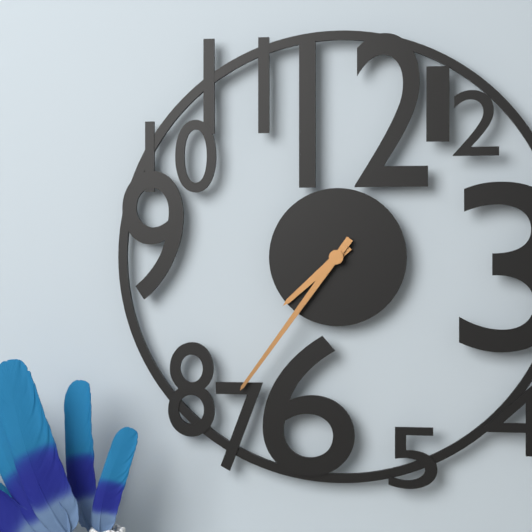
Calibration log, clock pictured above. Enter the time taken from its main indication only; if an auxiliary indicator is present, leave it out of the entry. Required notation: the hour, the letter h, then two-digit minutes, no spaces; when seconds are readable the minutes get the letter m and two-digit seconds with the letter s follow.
7h36
